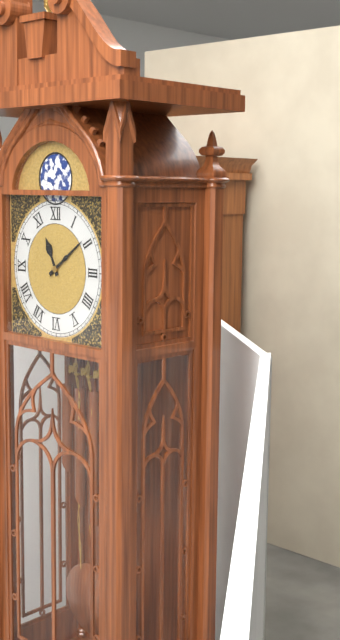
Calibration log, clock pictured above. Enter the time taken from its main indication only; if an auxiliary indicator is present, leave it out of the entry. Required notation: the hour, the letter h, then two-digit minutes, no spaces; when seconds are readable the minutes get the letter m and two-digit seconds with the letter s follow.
11h09
